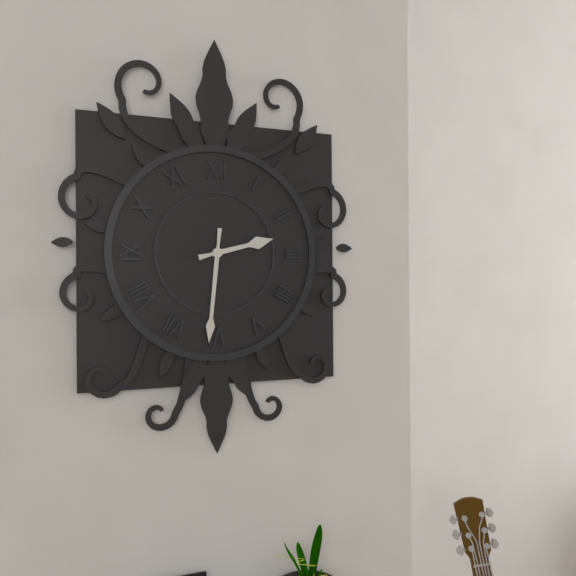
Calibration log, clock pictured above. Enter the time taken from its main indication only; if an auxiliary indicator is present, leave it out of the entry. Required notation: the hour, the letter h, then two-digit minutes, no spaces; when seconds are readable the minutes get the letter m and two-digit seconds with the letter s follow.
2h31
